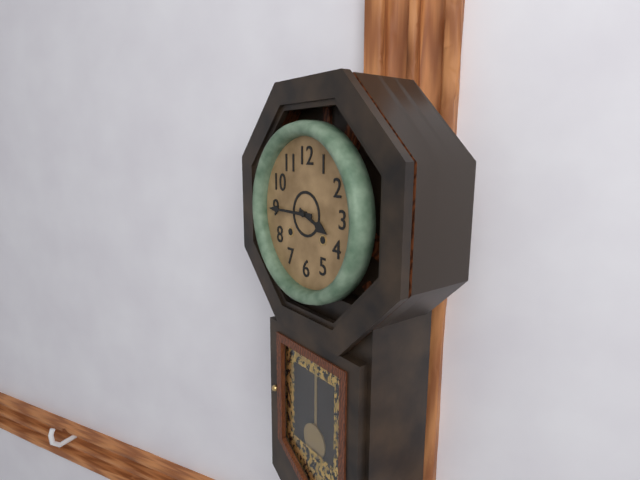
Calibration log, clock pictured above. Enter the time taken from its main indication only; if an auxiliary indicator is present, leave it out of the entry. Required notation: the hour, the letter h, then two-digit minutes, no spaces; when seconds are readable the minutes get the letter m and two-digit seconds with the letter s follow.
3h45
